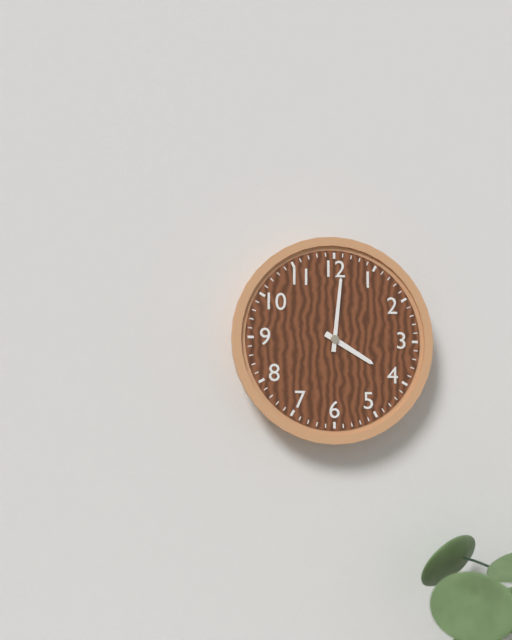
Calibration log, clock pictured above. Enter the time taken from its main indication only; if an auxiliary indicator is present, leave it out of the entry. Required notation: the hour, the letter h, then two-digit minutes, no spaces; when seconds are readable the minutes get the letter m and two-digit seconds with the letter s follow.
4h01
